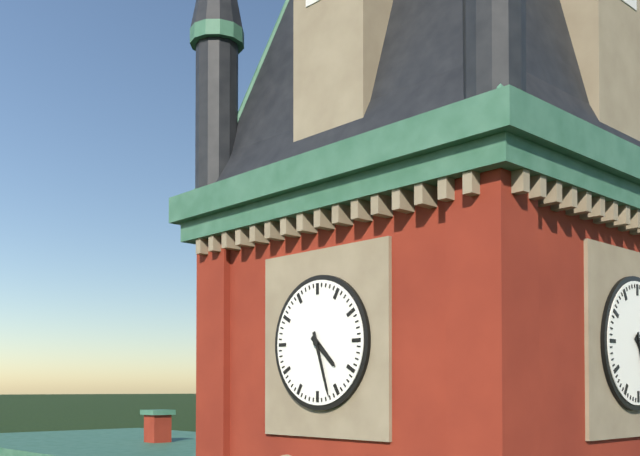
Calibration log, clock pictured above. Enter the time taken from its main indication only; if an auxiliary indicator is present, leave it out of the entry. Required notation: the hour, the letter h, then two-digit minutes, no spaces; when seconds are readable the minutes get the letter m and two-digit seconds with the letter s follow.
4h27
